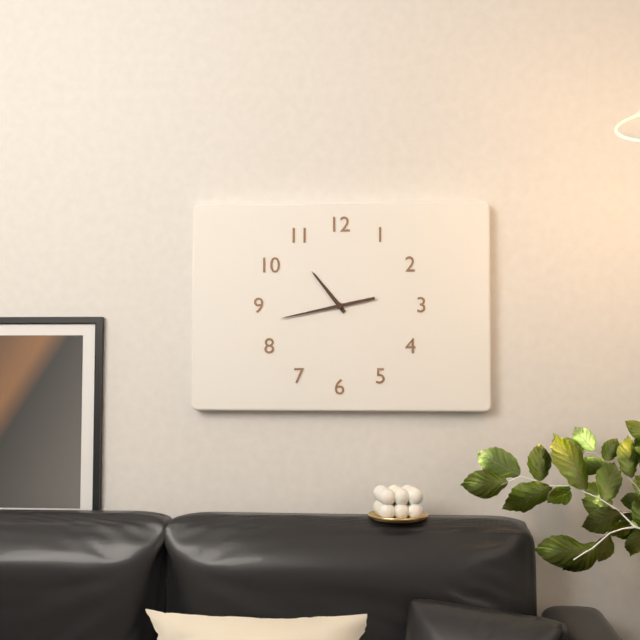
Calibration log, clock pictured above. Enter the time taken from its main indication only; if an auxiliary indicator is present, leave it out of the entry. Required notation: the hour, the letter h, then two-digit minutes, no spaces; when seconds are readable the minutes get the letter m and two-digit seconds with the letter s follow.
10h43
